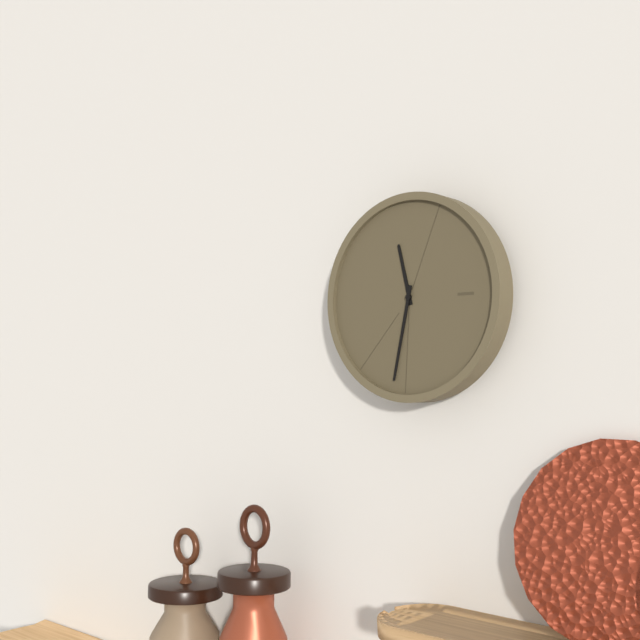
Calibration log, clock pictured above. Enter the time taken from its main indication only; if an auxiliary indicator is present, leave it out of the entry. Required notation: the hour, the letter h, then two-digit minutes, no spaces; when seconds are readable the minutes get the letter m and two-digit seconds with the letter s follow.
11h32
